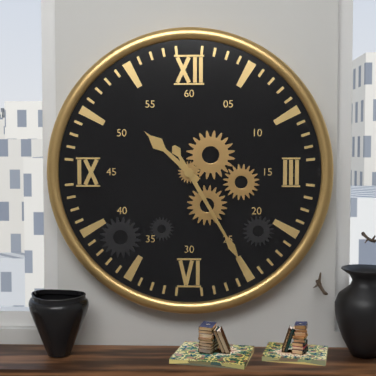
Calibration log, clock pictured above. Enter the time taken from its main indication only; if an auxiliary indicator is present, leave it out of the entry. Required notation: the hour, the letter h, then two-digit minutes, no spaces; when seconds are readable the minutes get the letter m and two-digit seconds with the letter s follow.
10h25
